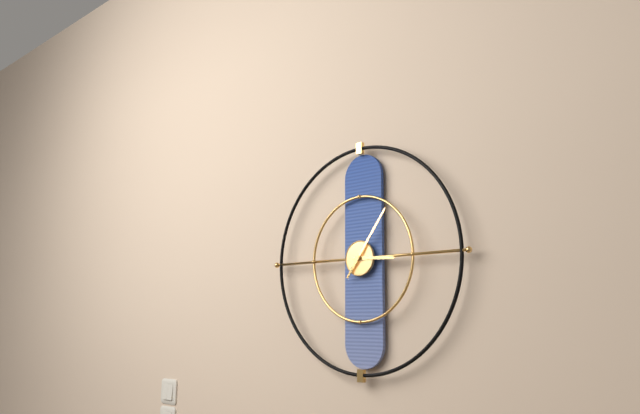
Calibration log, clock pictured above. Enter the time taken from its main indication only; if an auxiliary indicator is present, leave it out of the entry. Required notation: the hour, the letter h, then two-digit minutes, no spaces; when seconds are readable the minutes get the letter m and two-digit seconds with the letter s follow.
3h06
